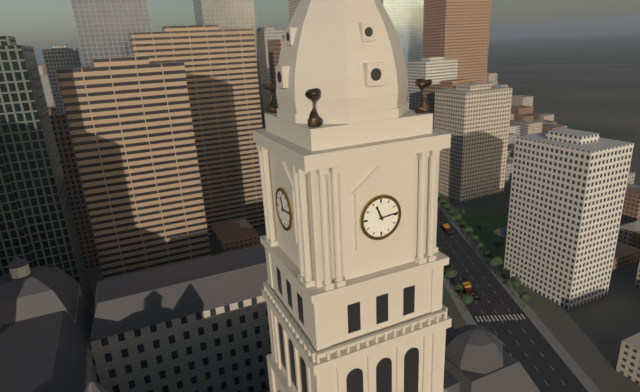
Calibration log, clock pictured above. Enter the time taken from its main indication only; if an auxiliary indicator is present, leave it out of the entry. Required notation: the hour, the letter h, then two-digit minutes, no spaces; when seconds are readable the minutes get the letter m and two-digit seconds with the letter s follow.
11h14
